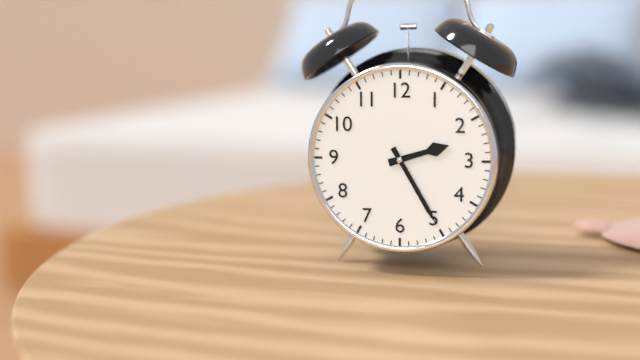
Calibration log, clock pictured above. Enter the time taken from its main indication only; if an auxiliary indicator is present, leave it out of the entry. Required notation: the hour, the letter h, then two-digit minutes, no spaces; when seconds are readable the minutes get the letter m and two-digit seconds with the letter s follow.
2h25
